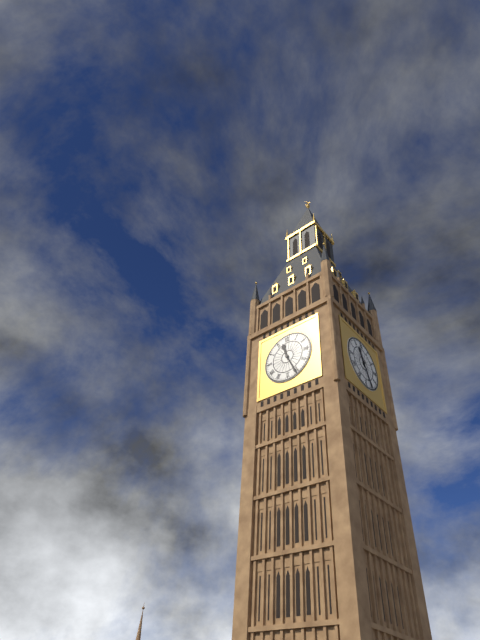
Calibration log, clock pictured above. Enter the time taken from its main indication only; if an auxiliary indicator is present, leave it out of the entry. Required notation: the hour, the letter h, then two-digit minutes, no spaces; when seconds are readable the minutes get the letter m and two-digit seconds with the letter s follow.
11h26
